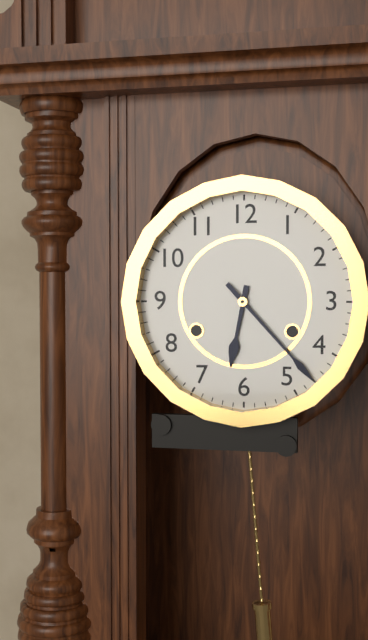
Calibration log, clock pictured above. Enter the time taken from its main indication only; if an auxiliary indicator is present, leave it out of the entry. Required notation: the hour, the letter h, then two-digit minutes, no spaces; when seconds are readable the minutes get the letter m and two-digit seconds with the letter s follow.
6h23
